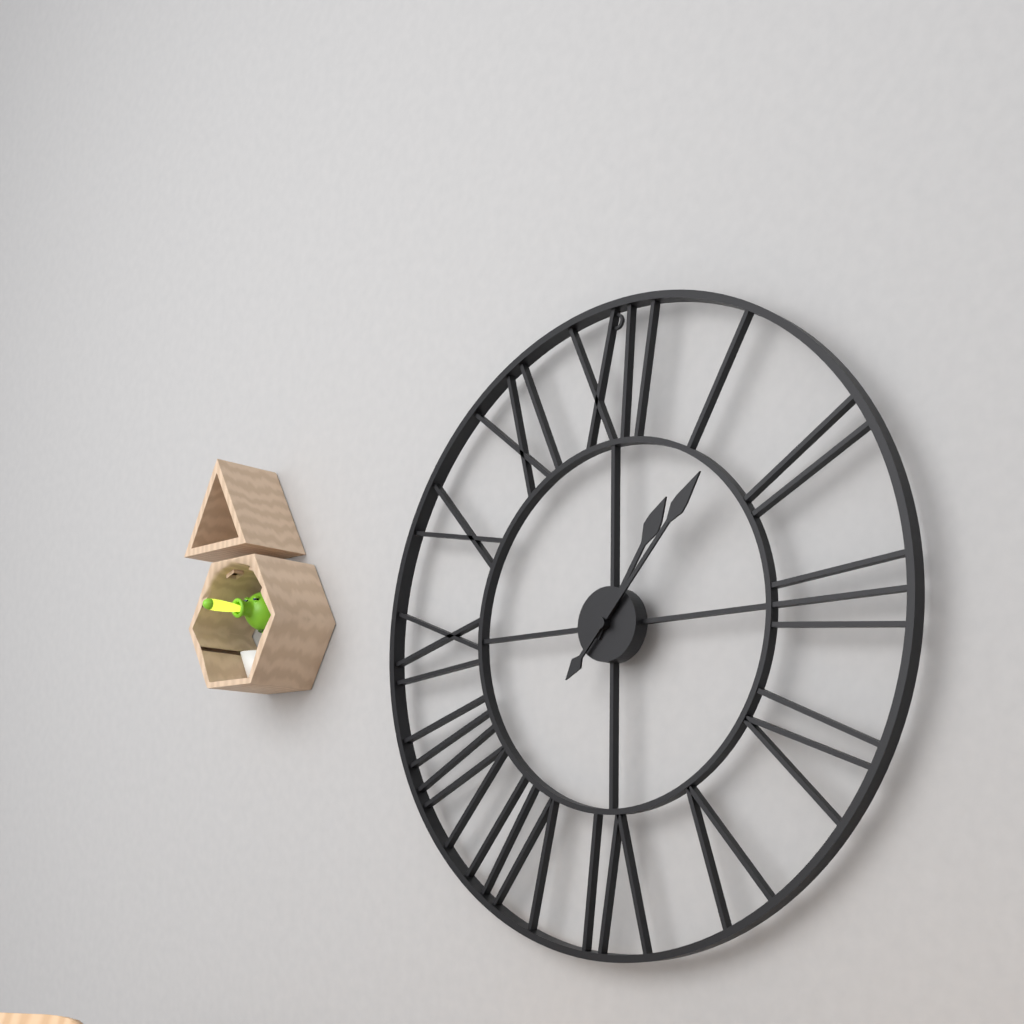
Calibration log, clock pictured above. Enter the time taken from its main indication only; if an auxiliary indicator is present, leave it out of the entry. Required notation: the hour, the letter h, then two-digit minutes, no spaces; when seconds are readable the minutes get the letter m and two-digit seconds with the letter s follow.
1h07
